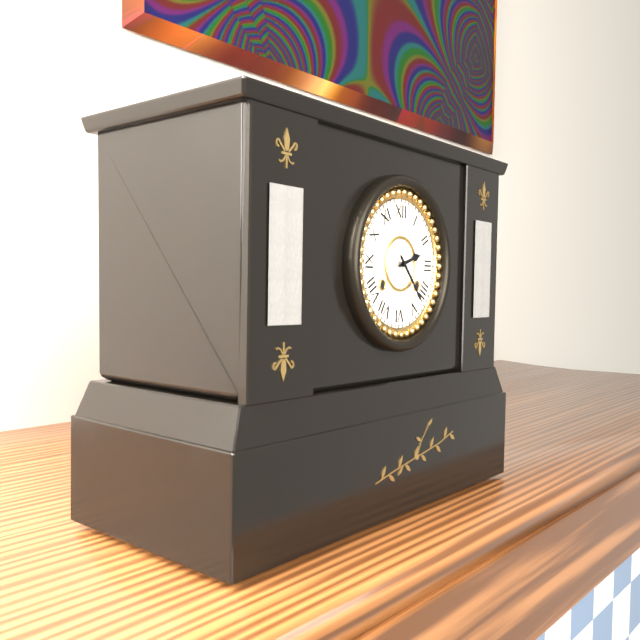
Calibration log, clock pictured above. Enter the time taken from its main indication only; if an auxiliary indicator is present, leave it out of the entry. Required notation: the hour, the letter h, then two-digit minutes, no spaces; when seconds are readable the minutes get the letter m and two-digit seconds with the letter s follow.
2h23
